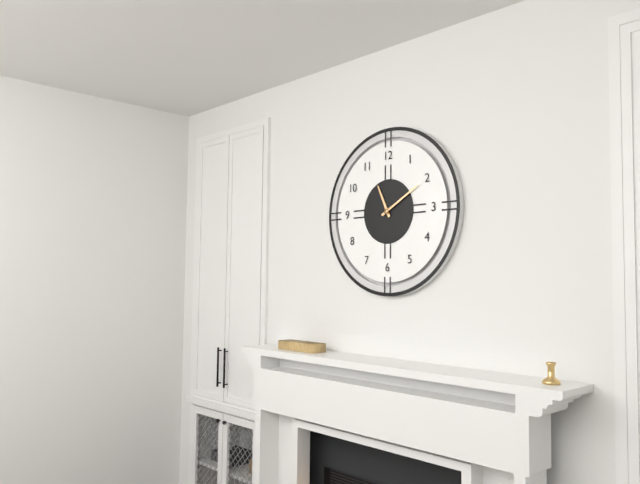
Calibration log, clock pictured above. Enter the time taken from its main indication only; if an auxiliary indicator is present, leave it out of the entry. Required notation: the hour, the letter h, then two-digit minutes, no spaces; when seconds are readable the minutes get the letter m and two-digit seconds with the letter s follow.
11h10
